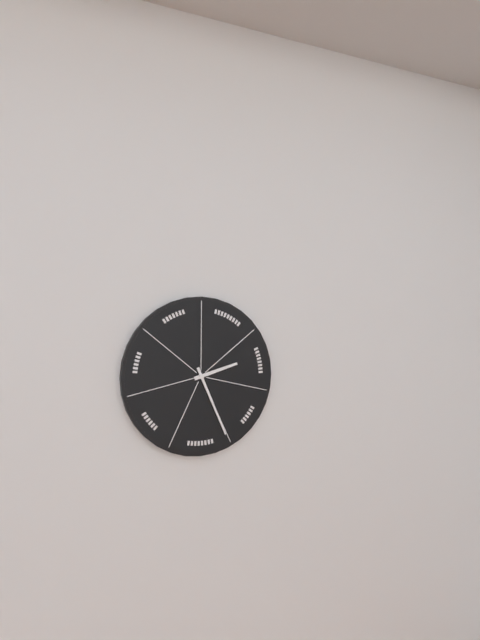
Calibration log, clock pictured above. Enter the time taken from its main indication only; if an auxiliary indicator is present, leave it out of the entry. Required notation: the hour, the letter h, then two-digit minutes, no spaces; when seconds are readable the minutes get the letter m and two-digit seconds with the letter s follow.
2h26
